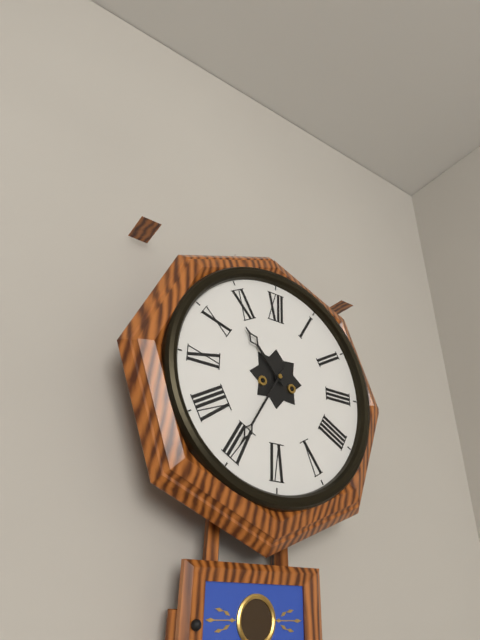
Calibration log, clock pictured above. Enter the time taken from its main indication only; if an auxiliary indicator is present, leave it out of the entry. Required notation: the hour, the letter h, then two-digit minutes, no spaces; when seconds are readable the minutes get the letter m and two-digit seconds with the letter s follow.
10h35
